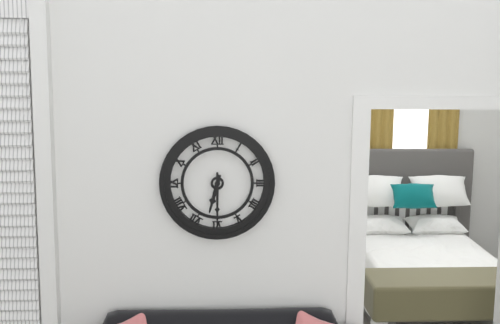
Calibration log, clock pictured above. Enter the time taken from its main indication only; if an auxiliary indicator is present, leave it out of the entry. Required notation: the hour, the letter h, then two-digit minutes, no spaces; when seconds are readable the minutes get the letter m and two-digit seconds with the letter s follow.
6h30
